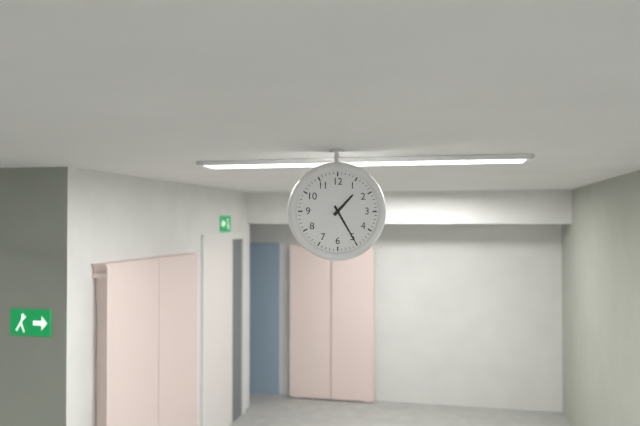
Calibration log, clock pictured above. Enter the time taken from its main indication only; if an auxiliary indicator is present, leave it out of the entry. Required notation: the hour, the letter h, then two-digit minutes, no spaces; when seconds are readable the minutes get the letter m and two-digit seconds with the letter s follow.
1h25
